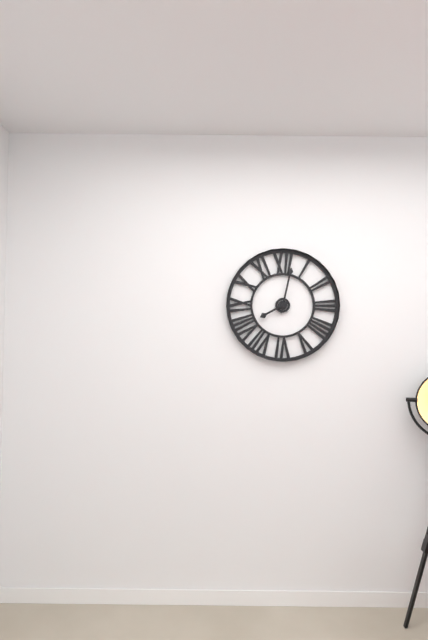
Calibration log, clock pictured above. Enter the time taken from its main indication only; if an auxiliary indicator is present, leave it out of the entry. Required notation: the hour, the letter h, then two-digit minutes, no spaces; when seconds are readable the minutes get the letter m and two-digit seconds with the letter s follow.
8h02
